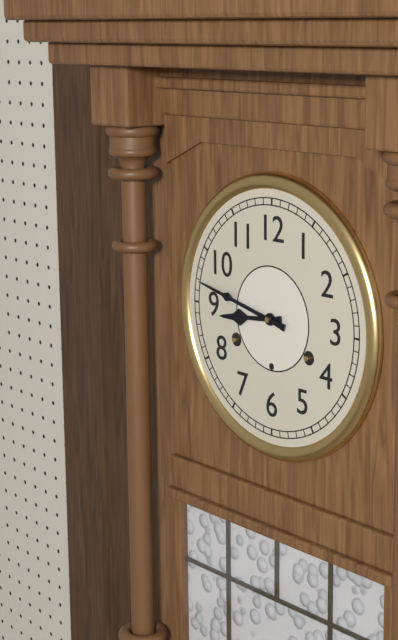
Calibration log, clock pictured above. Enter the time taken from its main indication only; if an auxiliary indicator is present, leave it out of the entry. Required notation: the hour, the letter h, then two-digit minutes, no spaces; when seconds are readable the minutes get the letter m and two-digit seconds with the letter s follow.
8h47
